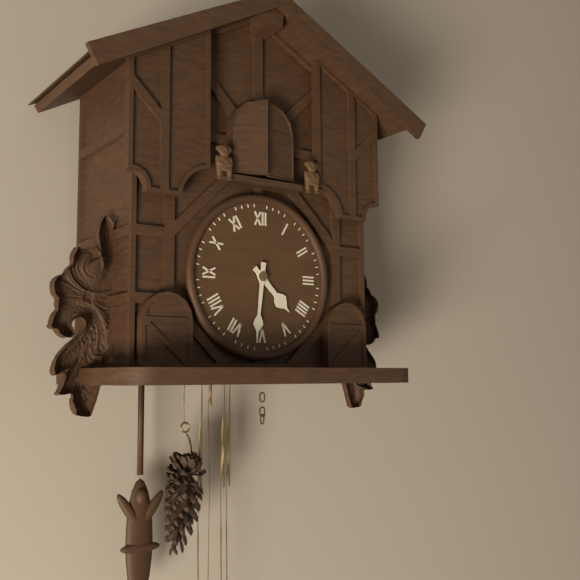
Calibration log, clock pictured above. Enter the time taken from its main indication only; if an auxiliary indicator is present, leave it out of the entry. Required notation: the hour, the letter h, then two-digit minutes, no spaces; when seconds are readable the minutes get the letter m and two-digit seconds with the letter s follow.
4h31
